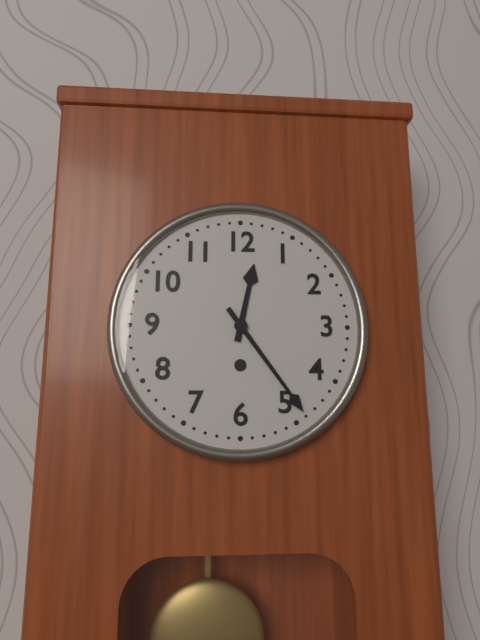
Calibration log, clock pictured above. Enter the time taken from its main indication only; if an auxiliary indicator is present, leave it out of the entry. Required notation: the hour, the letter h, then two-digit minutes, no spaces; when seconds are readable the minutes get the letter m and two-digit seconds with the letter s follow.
12h24
